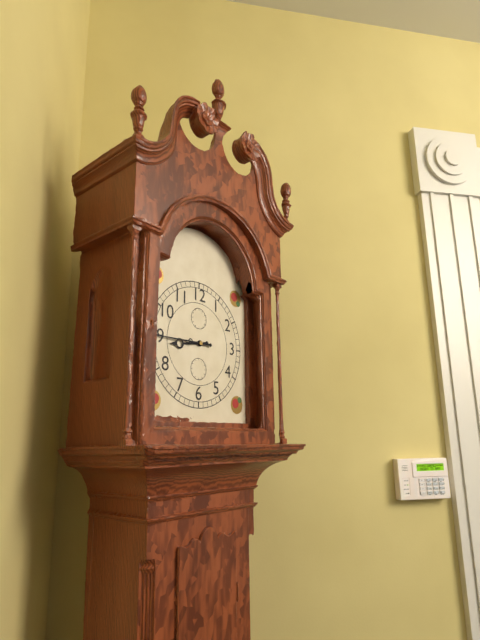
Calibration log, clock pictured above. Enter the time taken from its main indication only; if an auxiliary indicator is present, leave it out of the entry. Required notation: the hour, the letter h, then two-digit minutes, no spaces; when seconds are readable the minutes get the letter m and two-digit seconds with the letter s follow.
8h45
